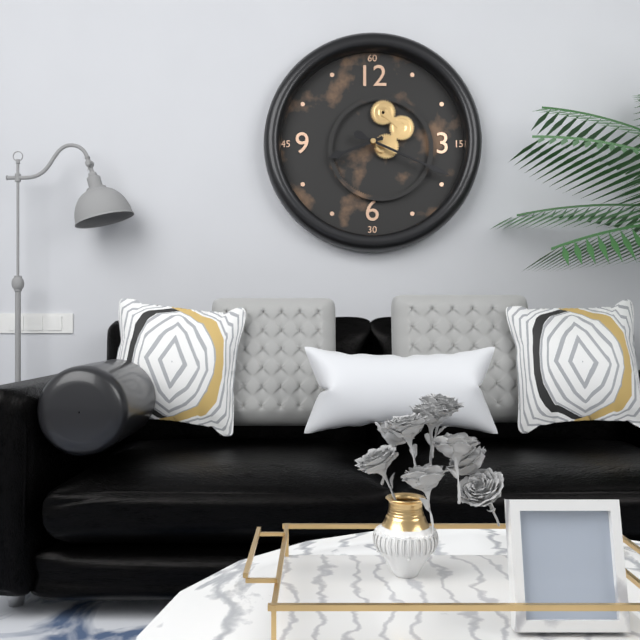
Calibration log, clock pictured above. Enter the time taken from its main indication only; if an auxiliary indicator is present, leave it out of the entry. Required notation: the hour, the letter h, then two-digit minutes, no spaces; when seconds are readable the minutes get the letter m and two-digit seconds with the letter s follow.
8h19
